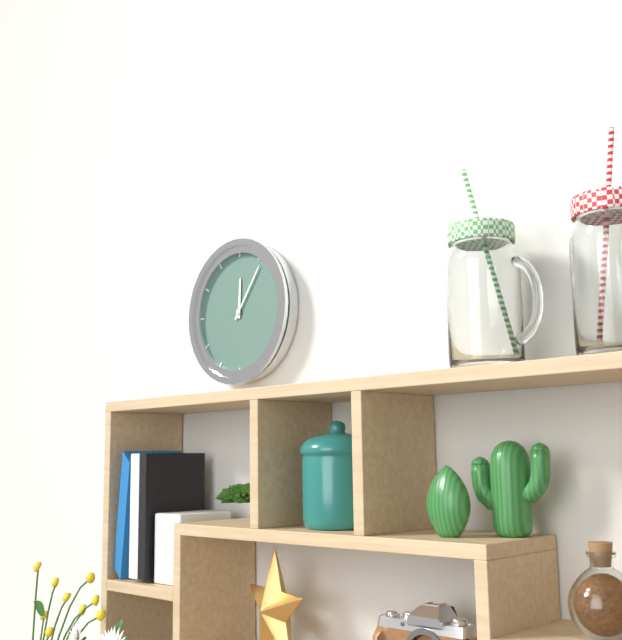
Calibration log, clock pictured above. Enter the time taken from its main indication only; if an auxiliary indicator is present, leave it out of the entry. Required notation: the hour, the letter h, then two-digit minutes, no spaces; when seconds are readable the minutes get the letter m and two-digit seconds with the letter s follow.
12h06
